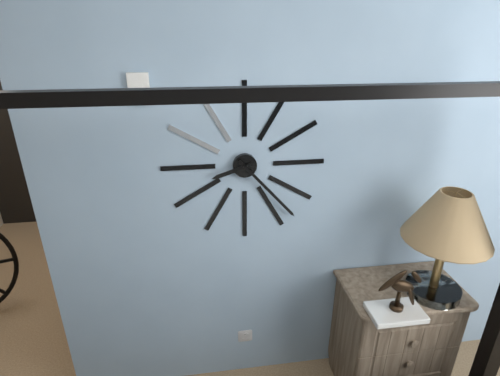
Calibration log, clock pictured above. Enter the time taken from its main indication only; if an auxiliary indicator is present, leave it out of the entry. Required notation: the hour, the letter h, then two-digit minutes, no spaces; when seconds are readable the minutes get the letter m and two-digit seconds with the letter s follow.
8h23
